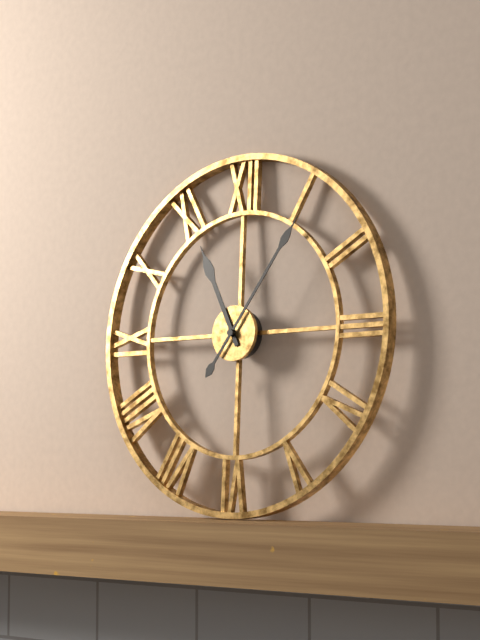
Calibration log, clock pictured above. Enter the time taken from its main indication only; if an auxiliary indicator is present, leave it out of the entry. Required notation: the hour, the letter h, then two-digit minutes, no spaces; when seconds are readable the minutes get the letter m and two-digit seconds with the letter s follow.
11h06
